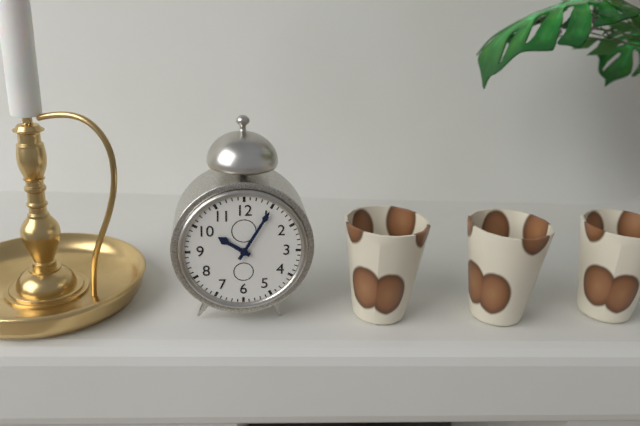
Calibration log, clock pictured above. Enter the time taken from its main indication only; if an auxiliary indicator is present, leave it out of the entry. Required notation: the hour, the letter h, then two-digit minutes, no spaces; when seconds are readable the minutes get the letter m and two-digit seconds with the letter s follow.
10h05
